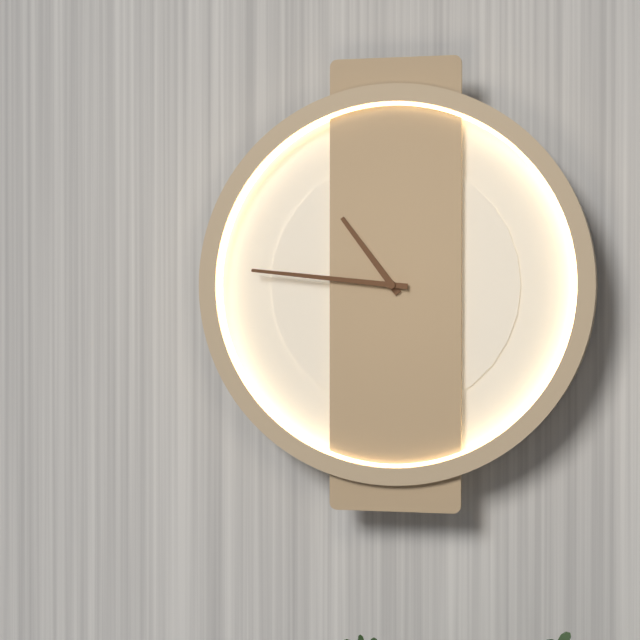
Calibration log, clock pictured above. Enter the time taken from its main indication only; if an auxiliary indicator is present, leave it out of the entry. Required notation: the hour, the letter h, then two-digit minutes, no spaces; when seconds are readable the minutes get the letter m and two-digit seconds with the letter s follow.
10h46
